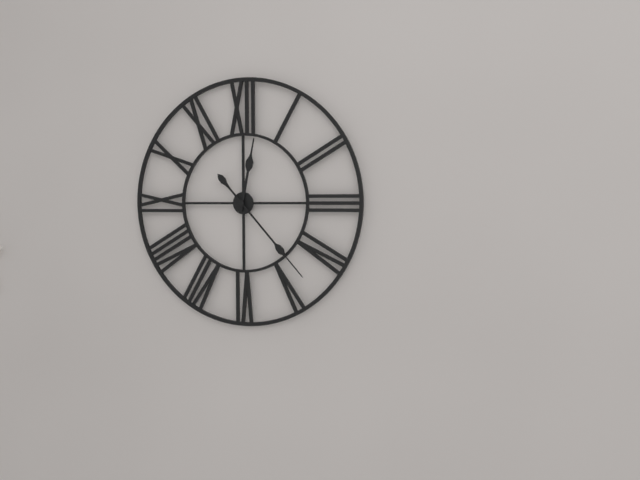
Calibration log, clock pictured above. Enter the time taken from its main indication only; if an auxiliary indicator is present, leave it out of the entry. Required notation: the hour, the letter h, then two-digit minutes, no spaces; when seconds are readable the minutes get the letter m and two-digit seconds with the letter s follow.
12h23
